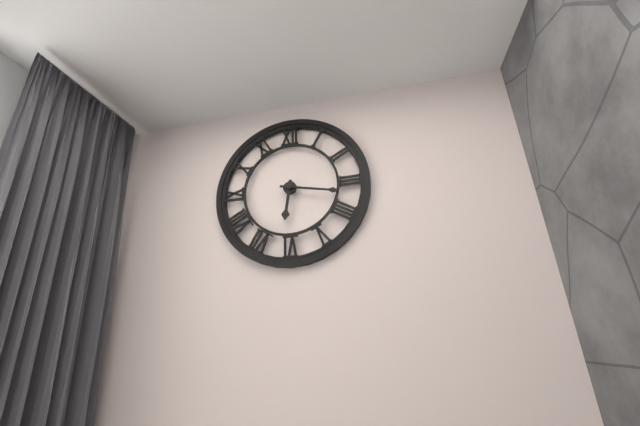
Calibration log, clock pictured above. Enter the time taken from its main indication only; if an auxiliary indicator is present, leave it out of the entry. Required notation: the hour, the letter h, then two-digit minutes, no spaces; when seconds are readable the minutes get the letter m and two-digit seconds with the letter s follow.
6h17
